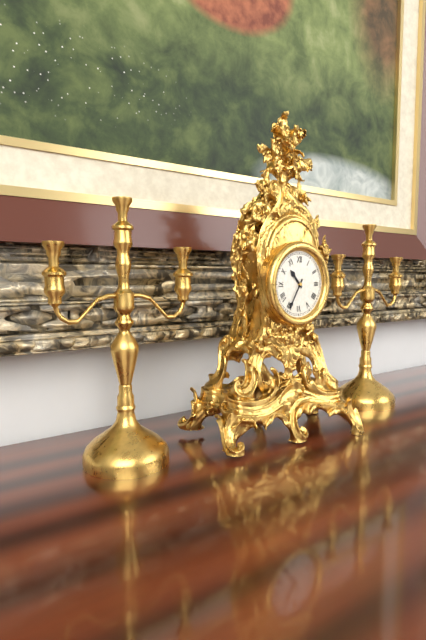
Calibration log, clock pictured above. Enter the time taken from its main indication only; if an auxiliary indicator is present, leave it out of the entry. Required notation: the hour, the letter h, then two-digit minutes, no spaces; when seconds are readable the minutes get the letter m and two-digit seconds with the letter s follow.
10h35
